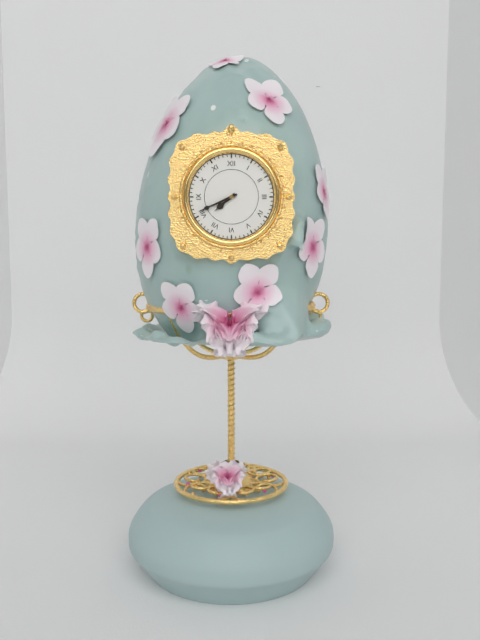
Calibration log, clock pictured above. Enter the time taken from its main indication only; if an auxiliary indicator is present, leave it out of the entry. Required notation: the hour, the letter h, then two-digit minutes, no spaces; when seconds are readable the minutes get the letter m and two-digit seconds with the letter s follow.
7h41
